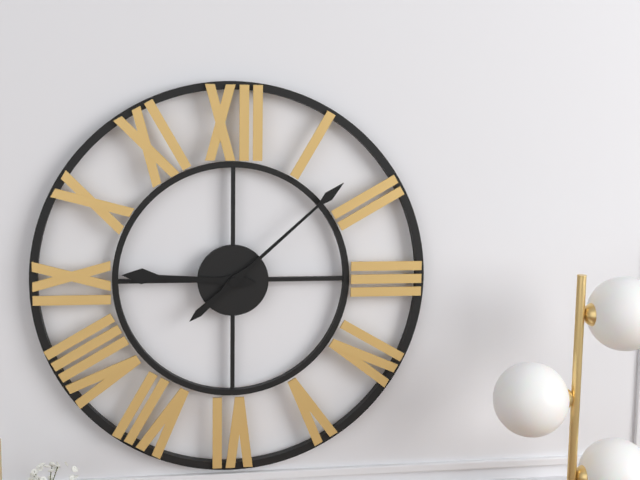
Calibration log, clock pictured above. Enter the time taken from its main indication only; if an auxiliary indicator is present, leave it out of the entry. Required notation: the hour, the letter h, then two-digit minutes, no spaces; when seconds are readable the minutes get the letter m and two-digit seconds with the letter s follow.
9h08
